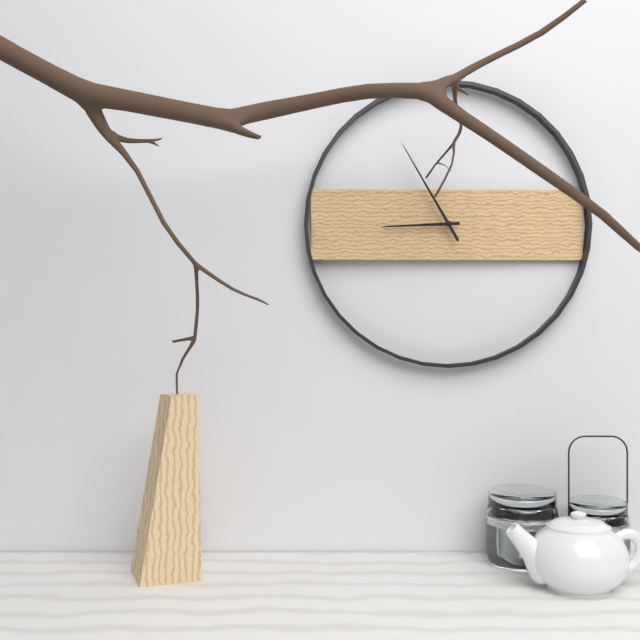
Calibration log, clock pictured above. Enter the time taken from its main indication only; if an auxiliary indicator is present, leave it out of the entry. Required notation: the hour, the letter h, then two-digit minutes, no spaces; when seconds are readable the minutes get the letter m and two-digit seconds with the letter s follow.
8h55
